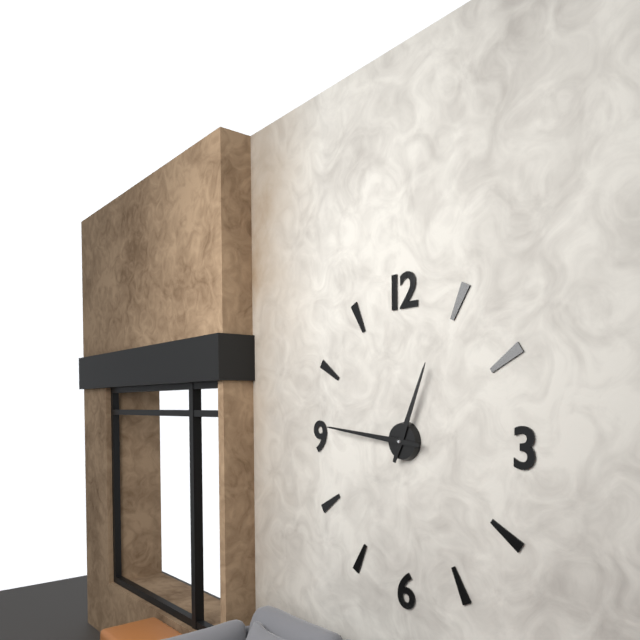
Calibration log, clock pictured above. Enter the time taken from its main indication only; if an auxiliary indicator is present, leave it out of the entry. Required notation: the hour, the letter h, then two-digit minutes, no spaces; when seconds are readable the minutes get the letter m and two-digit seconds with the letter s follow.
12h46
